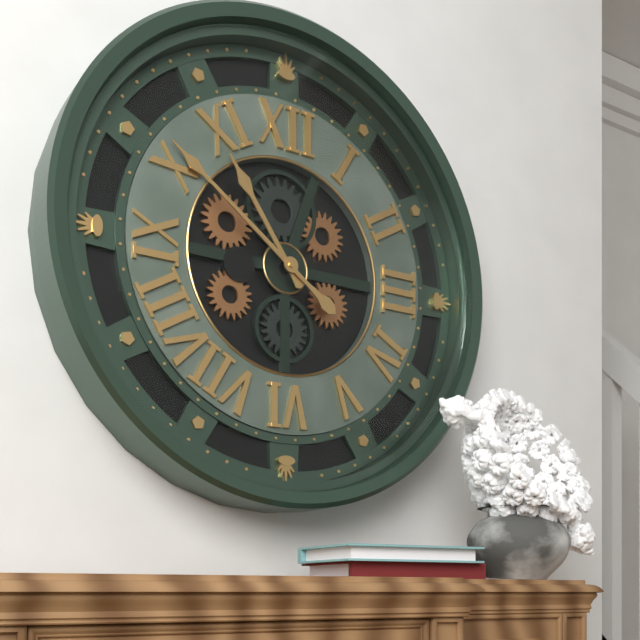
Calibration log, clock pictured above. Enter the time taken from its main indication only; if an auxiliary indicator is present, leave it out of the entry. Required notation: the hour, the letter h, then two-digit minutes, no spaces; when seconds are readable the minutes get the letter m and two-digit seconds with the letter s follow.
10h51
